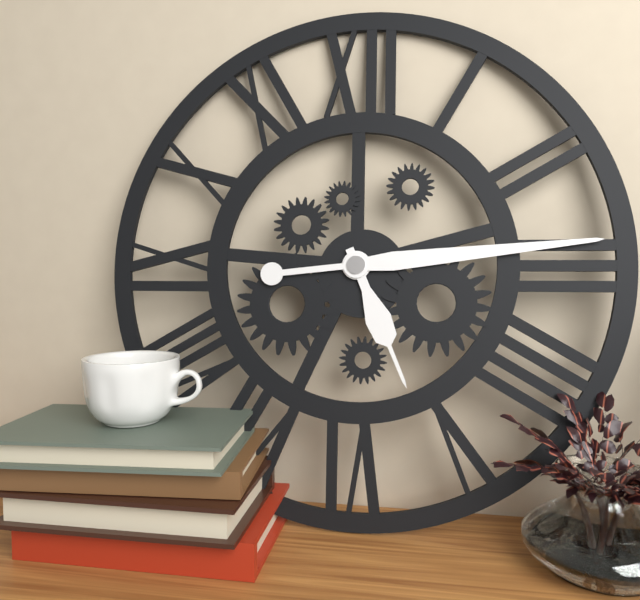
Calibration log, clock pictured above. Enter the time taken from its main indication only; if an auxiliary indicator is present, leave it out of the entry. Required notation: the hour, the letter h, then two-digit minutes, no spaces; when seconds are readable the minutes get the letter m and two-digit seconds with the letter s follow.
5h14
